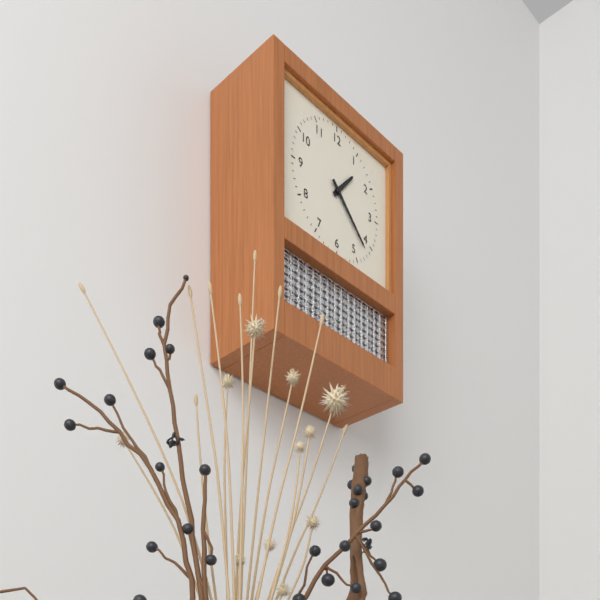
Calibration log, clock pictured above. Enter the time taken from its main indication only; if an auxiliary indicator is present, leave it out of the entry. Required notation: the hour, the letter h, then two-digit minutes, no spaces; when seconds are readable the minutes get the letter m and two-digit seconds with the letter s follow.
1h22
